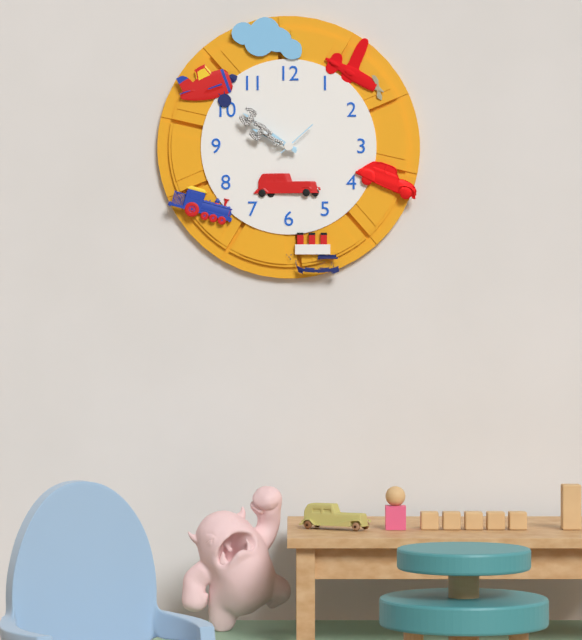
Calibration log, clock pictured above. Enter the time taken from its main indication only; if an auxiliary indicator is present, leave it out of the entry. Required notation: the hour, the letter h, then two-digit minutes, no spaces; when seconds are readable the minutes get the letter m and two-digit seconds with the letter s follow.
9h51
